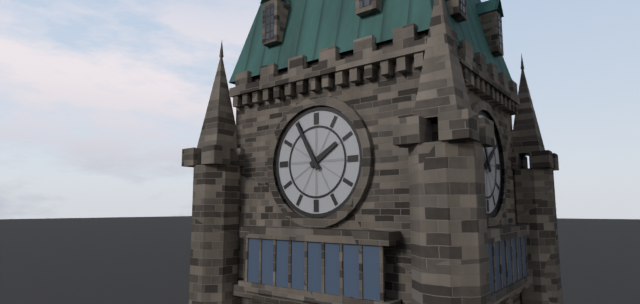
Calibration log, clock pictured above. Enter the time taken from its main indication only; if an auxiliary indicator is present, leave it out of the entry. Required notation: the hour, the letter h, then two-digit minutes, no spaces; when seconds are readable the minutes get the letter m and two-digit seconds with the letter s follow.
1h55
